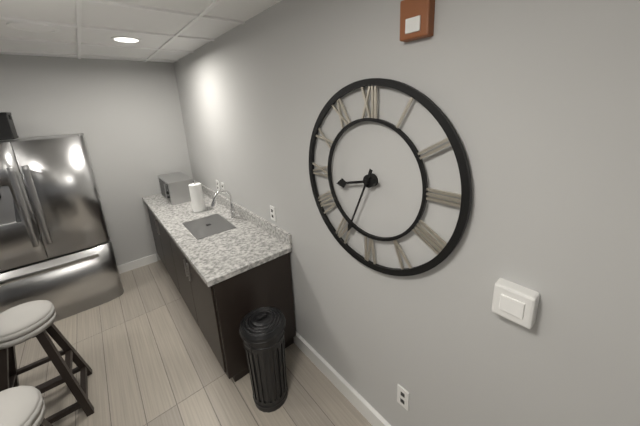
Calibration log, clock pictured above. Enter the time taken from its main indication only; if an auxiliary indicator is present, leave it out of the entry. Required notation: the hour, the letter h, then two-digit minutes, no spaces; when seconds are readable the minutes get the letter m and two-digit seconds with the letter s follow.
8h34
